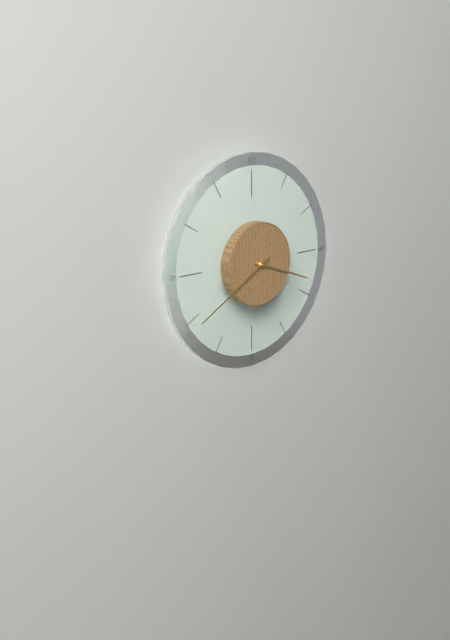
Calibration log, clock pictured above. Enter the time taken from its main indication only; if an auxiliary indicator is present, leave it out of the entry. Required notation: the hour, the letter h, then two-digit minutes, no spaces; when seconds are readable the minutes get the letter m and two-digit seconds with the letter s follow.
3h40
